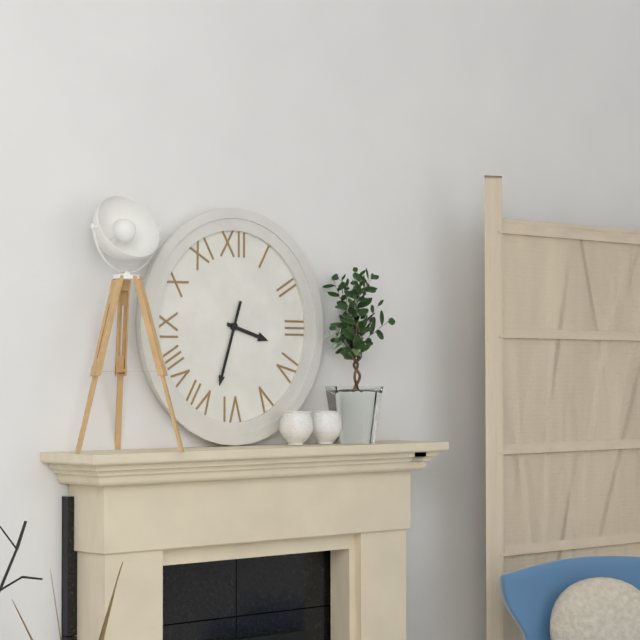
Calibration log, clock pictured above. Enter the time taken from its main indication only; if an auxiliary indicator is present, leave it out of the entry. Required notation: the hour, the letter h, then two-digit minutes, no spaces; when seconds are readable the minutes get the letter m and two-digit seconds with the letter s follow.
3h33
